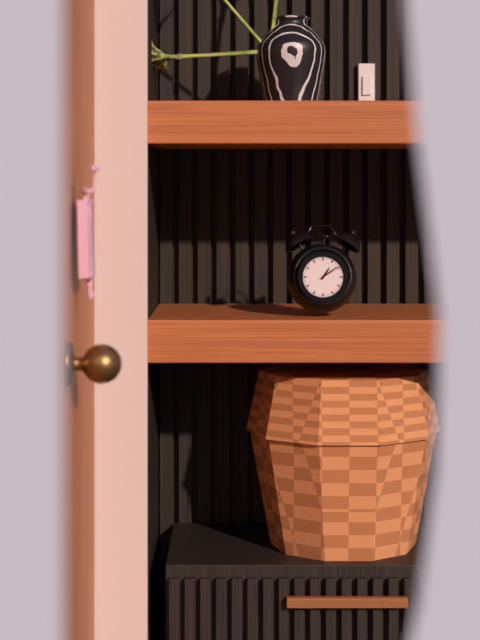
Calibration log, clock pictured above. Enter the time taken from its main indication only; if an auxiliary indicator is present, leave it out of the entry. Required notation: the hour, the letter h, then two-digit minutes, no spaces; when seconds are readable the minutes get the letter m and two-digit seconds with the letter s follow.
1h09
